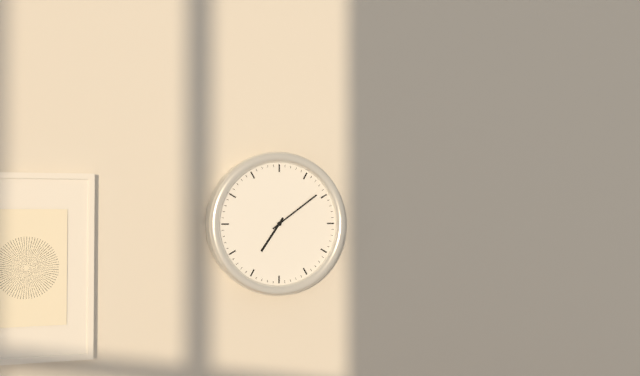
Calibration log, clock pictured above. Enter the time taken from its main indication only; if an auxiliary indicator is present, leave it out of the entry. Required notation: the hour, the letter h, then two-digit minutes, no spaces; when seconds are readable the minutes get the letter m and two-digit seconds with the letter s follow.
7h09
